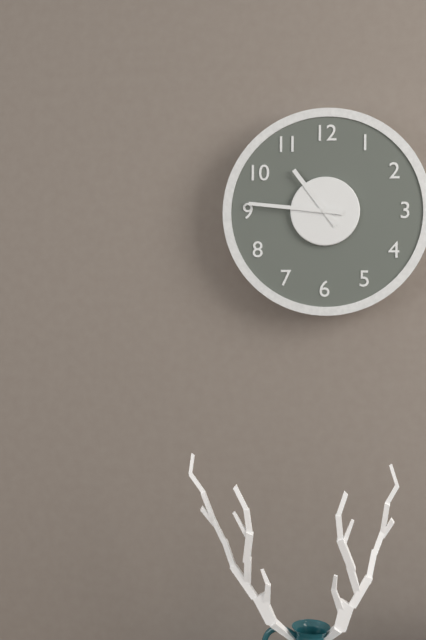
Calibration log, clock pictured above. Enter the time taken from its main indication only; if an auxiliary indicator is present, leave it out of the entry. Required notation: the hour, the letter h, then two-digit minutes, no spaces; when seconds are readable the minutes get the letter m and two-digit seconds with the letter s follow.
10h46
